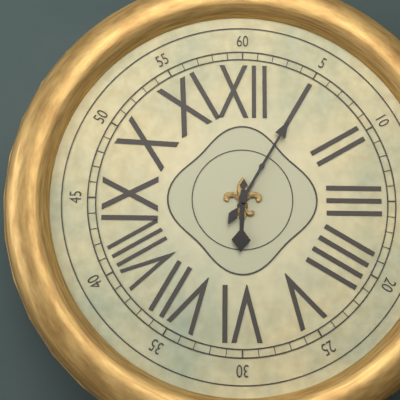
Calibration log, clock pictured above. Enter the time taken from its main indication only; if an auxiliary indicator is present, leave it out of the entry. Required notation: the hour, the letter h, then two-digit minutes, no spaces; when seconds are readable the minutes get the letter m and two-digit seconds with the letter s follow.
6h05
